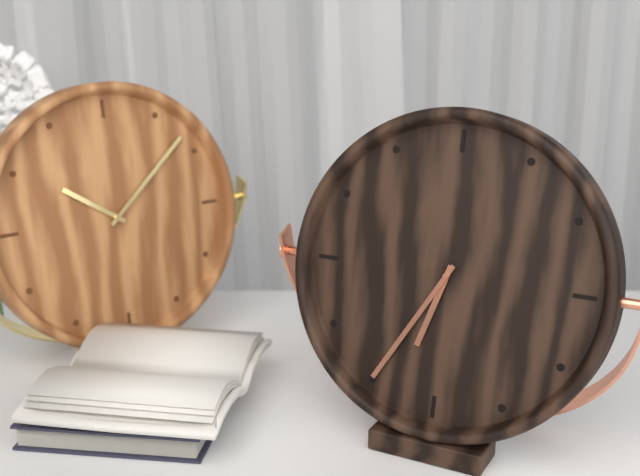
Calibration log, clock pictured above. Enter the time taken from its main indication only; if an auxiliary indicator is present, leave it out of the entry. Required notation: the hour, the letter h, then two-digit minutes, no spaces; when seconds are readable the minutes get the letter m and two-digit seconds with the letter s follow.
6h35
